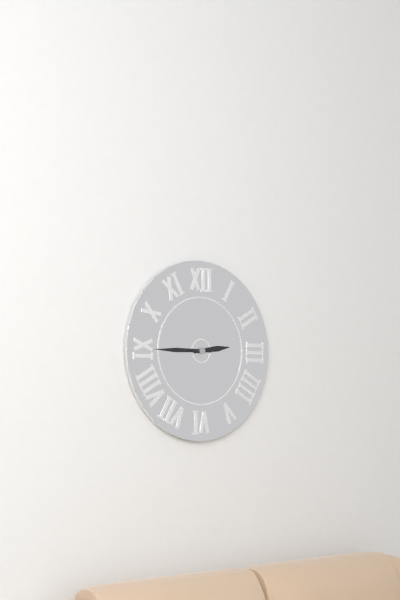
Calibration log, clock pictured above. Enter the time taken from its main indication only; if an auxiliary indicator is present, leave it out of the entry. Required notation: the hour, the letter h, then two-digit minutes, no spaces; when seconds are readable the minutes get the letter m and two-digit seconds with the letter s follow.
2h45
